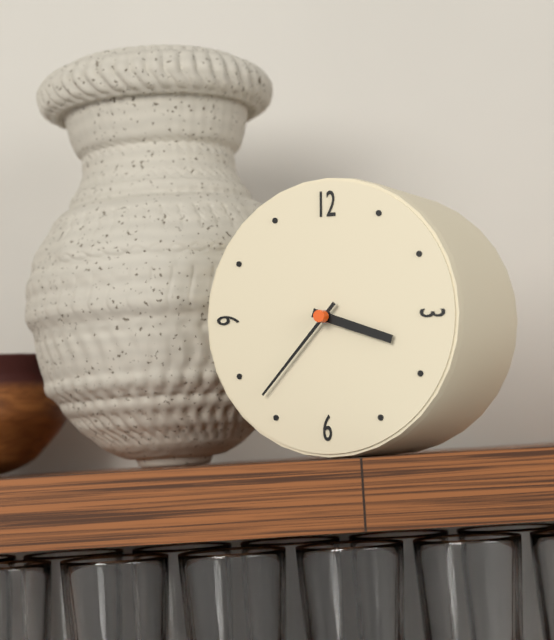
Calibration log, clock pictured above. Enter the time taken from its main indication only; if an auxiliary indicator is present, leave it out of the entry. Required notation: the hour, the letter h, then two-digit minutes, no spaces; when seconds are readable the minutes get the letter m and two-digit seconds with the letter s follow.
3h37
